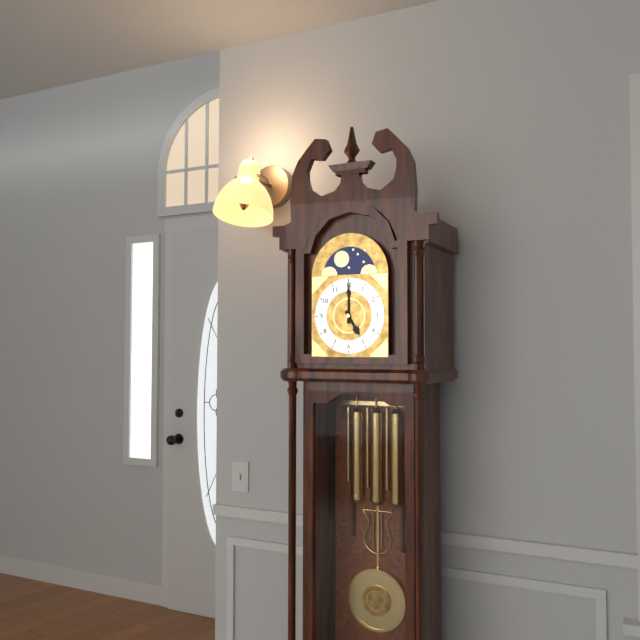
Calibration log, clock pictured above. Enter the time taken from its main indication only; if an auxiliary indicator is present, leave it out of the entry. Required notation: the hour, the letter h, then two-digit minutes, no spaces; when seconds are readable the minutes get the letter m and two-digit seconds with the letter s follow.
5h00
